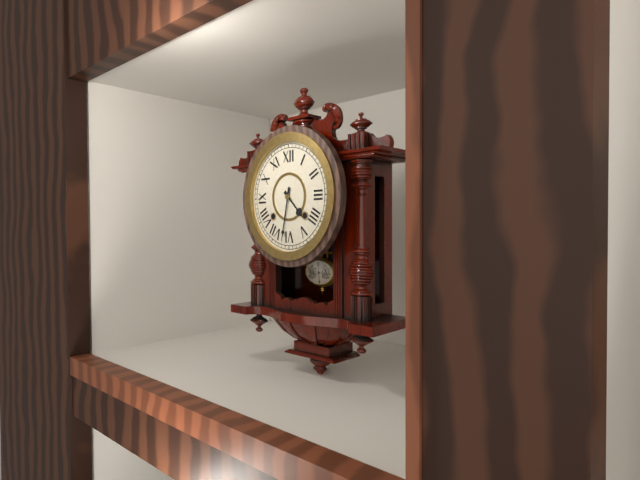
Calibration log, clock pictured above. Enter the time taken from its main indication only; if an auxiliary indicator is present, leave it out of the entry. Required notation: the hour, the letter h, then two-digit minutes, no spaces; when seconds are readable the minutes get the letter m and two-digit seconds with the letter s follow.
4h32
